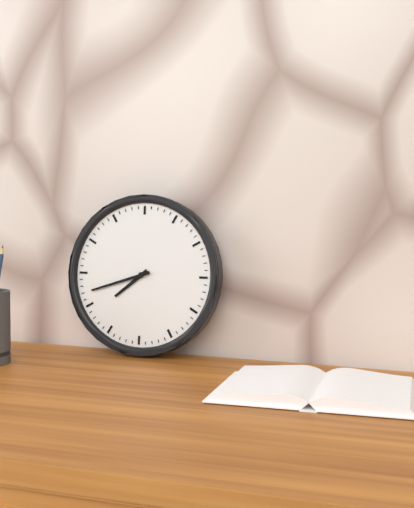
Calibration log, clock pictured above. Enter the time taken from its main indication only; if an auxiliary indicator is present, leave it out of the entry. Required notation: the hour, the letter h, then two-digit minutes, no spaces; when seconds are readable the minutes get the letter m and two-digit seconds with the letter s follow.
7h42
